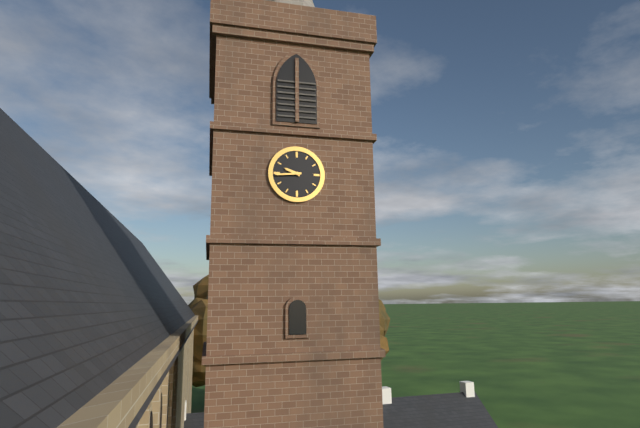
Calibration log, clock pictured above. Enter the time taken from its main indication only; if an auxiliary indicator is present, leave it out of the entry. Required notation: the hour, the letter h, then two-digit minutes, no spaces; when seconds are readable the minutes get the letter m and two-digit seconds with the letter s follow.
9h44
